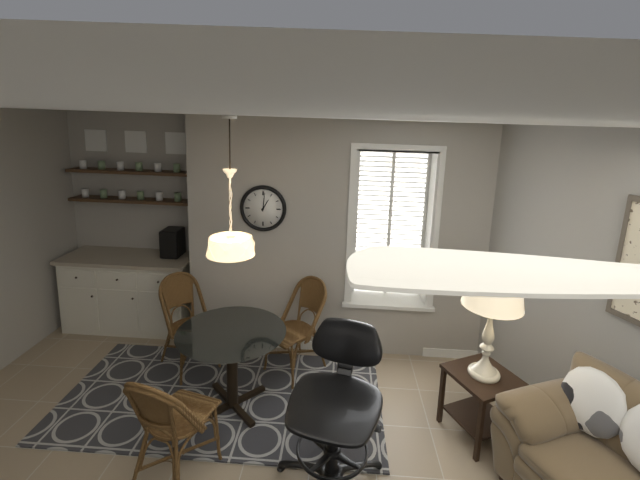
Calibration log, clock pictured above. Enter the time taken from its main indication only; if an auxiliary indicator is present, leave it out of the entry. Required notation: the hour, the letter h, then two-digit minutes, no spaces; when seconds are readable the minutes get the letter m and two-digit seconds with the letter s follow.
1h01
